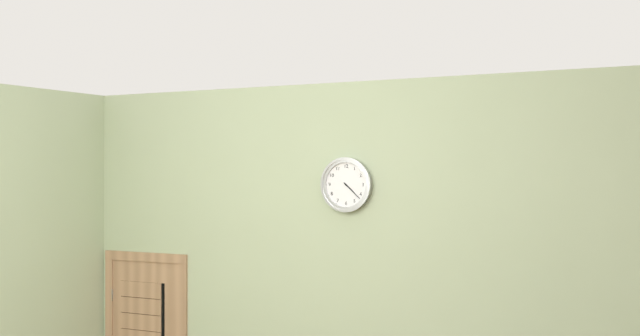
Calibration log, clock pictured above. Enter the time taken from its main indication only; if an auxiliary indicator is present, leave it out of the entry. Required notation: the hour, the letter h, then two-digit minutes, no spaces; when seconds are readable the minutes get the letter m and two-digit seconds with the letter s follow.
4h22
